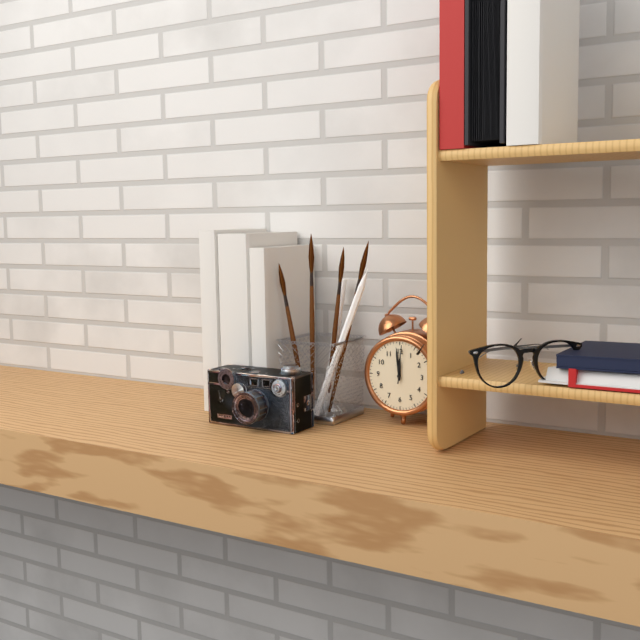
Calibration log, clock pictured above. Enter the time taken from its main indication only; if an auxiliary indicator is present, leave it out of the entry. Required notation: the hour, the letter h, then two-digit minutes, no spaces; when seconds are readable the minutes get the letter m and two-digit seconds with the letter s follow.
11h59
